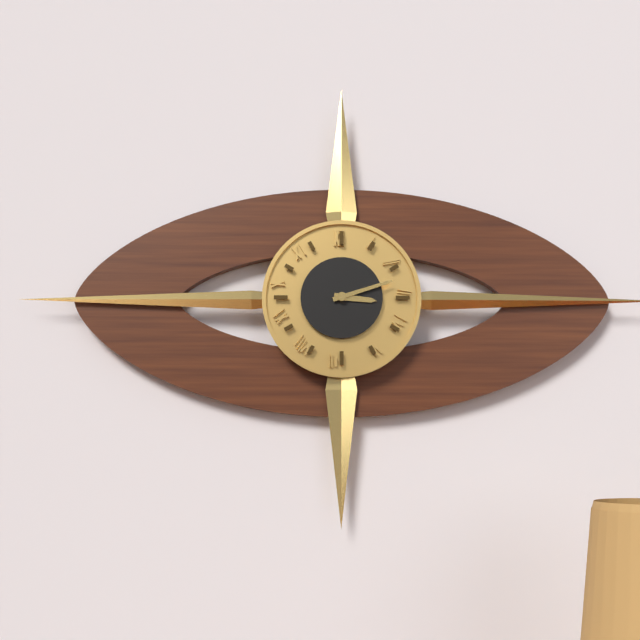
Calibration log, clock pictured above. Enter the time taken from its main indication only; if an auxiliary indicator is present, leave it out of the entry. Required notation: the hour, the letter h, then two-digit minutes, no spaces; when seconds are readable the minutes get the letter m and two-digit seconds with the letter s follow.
3h12
